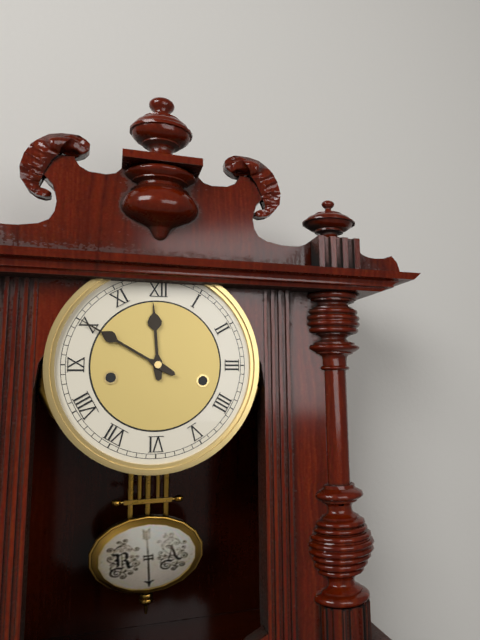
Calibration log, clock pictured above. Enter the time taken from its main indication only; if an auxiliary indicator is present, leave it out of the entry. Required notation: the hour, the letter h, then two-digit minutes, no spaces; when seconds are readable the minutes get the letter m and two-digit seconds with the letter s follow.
11h50
